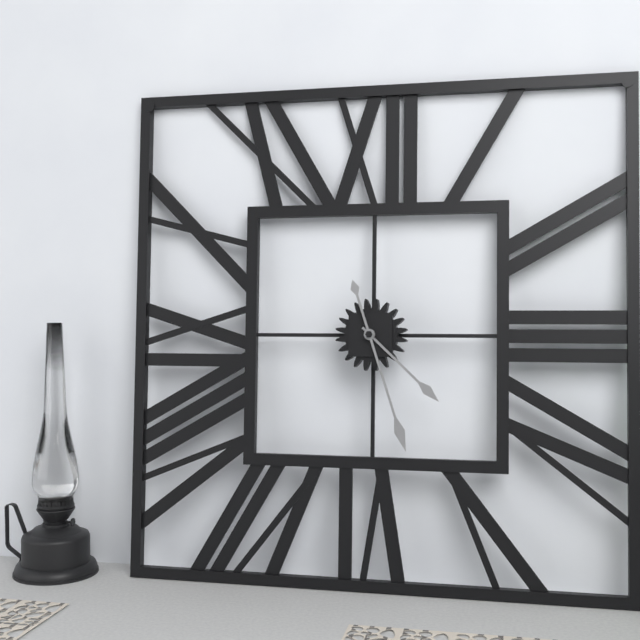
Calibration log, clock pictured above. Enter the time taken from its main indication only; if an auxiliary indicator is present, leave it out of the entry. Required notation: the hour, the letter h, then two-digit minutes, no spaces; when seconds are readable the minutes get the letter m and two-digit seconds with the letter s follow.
4h27
